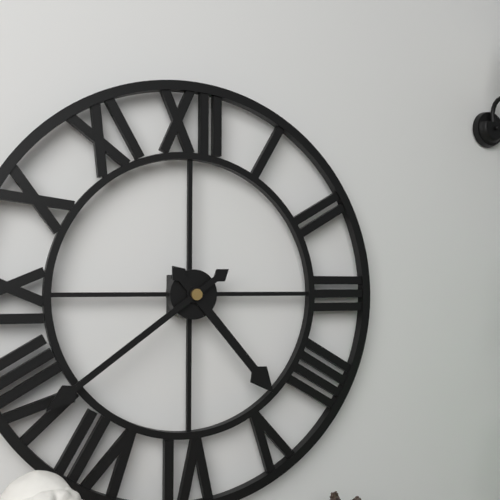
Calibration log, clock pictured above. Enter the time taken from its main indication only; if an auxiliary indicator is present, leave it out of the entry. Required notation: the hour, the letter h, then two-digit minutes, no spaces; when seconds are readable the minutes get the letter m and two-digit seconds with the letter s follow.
4h39
